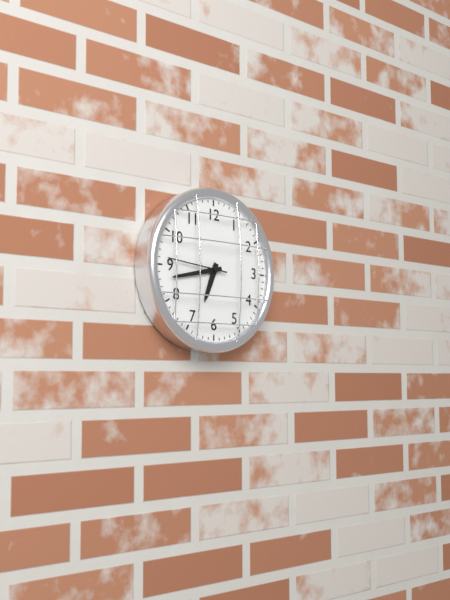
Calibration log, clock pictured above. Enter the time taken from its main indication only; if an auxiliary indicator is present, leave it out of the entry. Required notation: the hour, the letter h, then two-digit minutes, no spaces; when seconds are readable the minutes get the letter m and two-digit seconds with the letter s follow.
6h43
